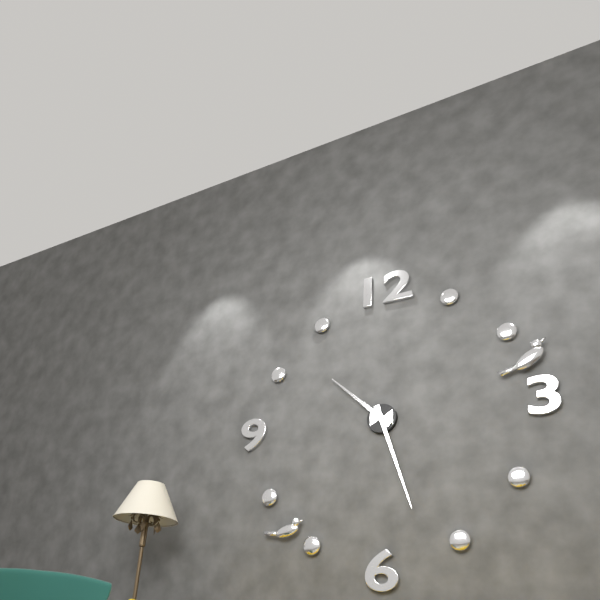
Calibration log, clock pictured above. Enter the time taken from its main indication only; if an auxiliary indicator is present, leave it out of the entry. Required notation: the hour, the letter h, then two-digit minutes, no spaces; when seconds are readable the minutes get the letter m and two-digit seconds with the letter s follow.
10h27
